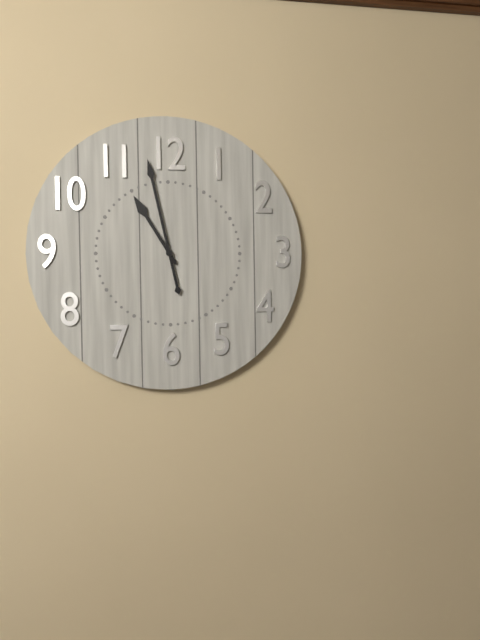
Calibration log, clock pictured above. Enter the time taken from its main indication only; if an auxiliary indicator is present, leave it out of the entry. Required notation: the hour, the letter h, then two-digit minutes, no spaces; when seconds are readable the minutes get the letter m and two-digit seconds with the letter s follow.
10h58
